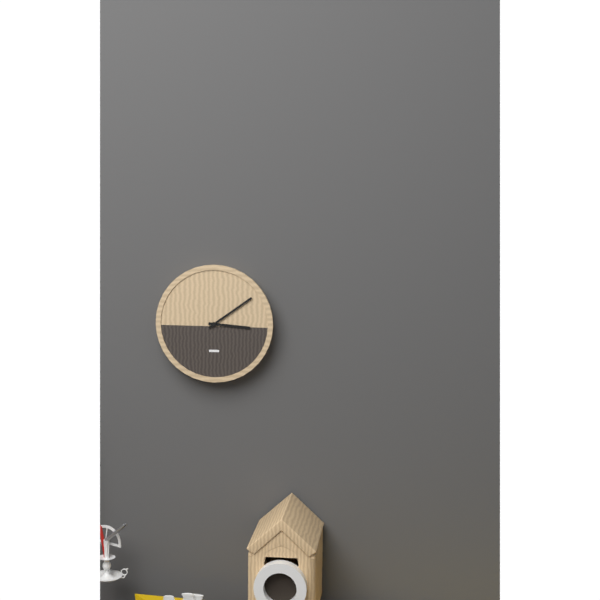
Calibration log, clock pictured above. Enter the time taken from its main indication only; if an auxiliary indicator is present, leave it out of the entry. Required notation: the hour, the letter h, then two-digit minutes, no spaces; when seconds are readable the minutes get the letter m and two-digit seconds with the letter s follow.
3h09
